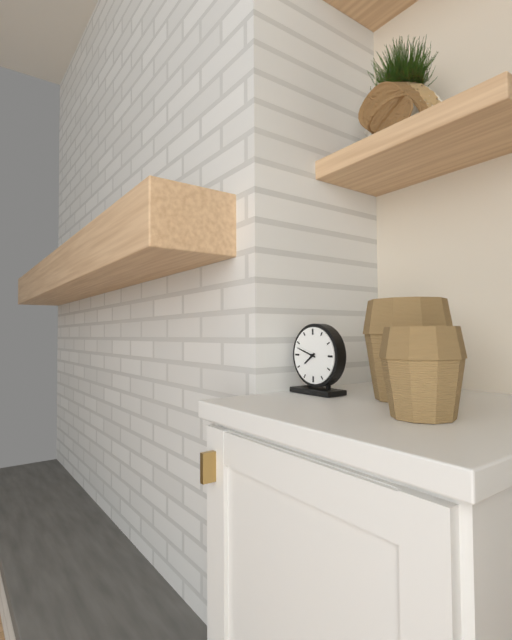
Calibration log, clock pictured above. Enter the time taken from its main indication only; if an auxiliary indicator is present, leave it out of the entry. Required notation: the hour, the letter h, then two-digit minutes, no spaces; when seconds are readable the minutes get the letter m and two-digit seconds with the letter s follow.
7h48
